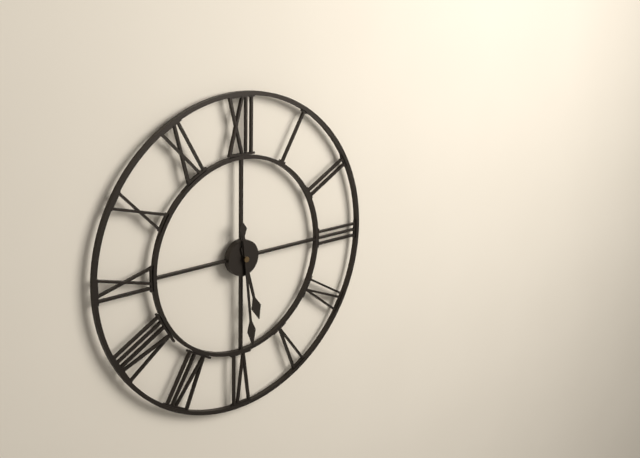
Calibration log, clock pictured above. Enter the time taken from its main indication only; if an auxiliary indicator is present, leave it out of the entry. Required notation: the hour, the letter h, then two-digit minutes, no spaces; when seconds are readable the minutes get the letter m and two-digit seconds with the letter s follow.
5h29
